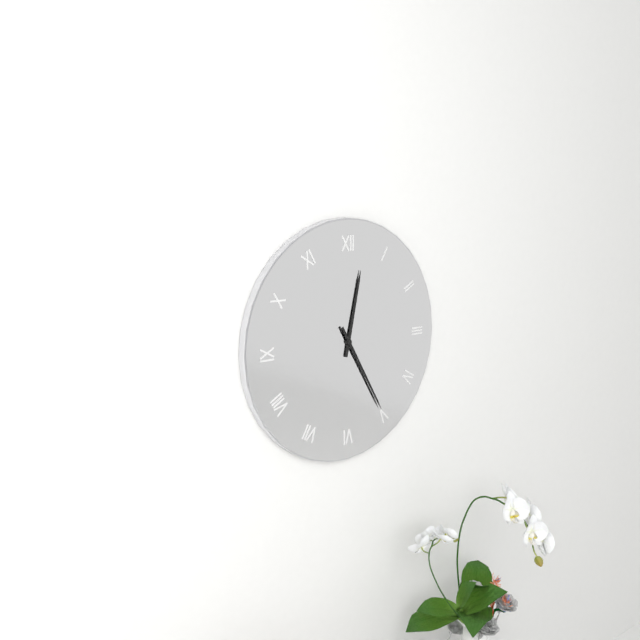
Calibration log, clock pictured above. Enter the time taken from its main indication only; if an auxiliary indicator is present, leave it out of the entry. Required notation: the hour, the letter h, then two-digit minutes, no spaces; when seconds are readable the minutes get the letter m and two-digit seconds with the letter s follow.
12h25
